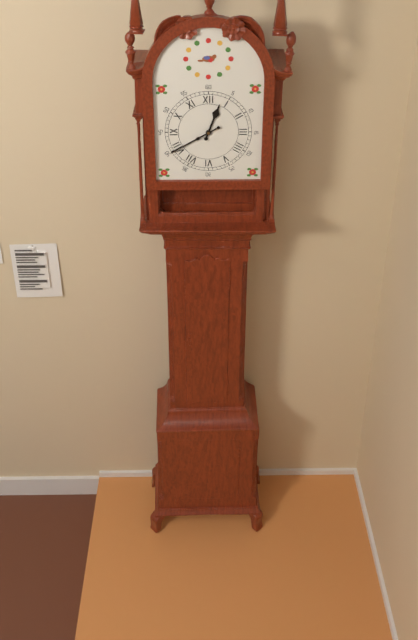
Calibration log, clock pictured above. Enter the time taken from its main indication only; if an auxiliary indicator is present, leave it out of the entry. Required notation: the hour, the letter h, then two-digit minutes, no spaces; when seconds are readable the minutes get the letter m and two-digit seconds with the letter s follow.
12h40
